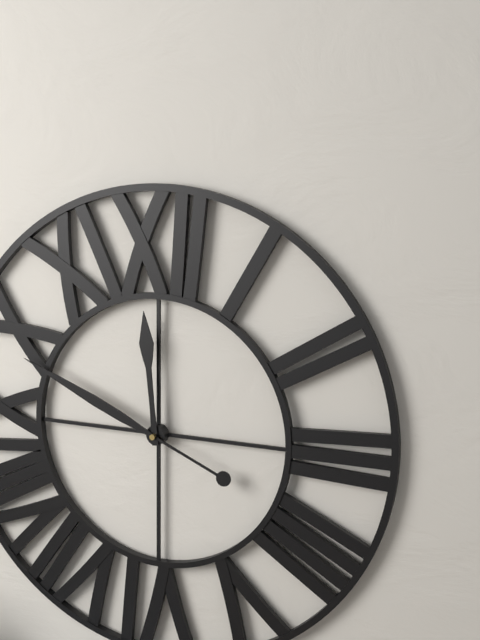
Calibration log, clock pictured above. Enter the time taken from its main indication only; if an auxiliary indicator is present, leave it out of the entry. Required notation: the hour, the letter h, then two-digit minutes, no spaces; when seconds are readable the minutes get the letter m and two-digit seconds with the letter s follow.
11h49
